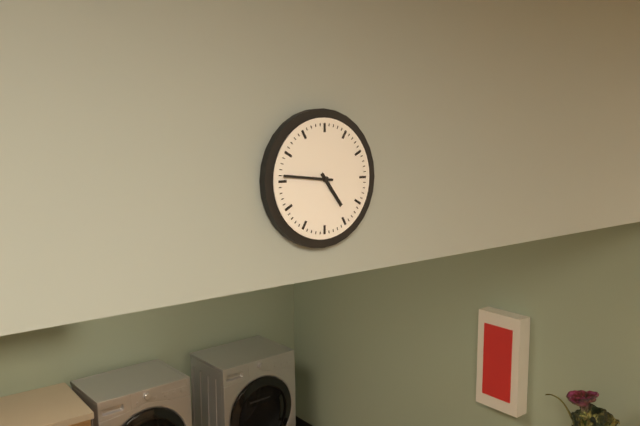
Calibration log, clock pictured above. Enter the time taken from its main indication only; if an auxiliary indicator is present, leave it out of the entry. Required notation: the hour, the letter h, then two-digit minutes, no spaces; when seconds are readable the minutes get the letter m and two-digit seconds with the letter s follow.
4h46
